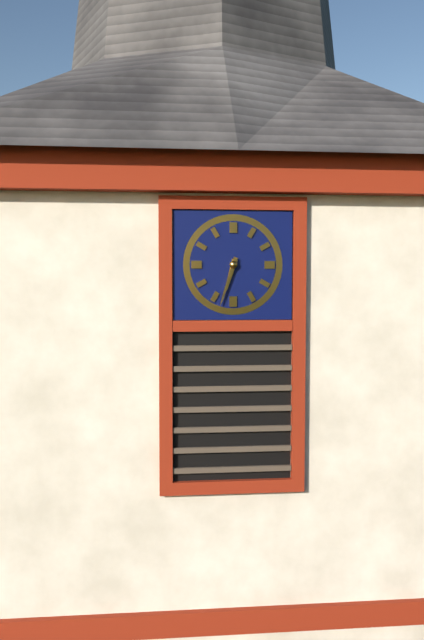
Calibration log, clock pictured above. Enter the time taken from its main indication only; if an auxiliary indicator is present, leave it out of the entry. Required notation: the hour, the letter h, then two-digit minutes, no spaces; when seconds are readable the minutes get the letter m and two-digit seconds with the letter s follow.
6h33
